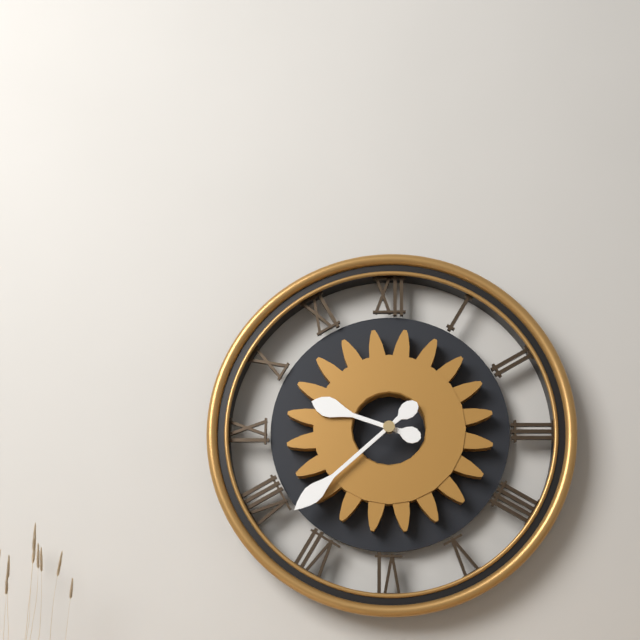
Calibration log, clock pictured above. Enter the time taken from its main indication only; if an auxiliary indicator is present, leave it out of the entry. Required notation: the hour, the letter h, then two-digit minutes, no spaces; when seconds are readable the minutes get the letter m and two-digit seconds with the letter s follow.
9h38
